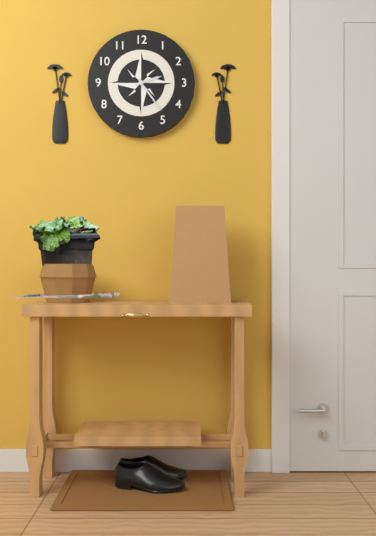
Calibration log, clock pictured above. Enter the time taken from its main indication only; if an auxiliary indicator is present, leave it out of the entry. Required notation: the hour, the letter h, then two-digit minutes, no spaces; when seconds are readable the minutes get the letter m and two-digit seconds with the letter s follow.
2h24
